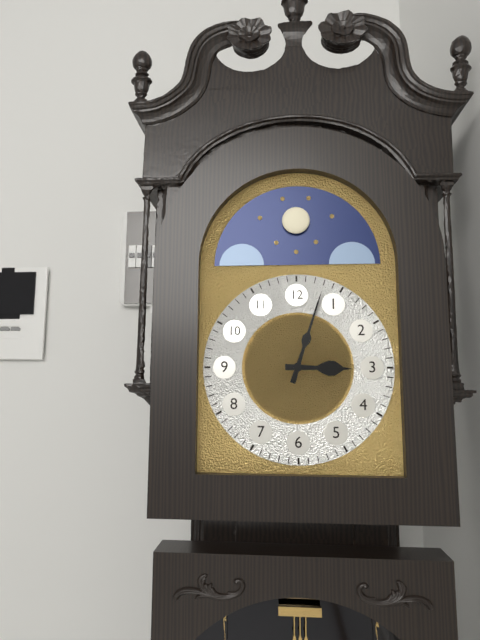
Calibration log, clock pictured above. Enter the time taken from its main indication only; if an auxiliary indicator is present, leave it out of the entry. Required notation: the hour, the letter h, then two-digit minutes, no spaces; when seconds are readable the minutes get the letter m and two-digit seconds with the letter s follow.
3h03
